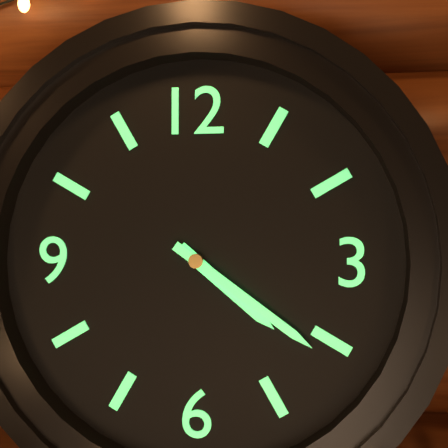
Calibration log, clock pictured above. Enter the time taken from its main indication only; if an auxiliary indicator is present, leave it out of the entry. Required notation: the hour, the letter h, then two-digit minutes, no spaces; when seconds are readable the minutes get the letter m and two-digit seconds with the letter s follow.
4h21
